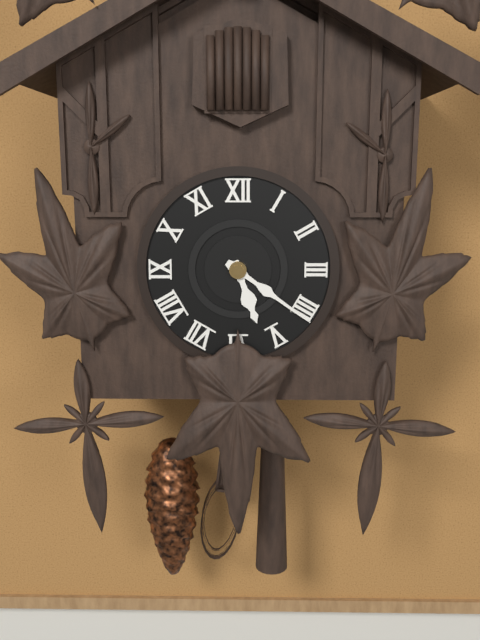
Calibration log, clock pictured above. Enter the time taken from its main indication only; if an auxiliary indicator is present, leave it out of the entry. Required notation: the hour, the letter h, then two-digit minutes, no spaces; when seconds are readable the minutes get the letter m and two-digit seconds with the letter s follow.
5h21
